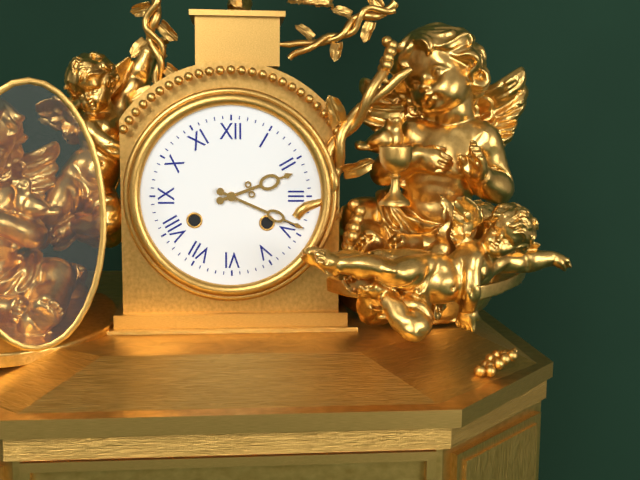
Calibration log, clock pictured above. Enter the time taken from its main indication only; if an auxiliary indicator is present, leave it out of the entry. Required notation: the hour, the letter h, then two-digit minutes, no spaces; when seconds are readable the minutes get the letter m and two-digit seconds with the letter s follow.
2h19
